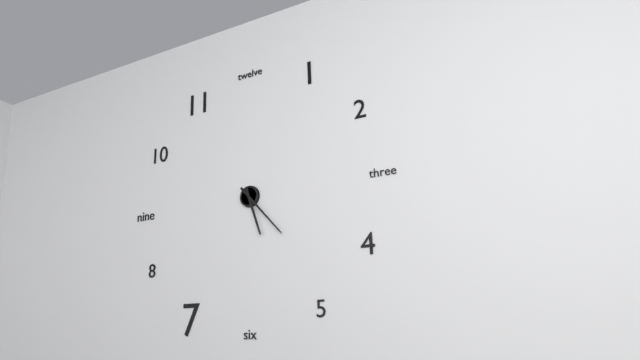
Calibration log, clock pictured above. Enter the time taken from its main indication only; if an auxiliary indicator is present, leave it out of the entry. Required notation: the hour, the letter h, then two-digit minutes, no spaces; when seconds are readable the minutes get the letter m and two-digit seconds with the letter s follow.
5h23
